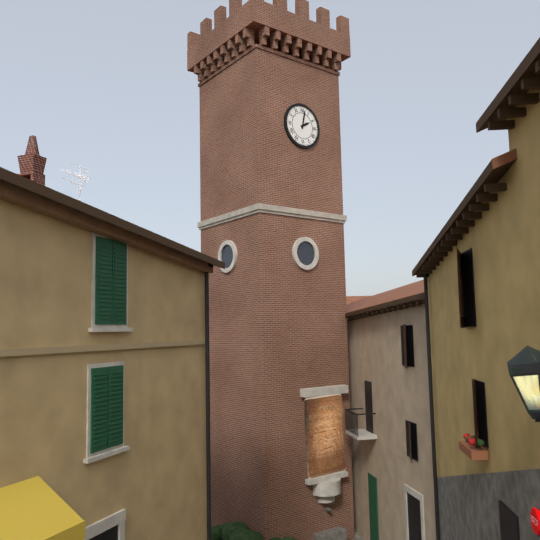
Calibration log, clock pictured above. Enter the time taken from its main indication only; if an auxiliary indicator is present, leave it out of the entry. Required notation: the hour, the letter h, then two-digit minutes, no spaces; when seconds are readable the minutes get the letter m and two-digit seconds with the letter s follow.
2h02
